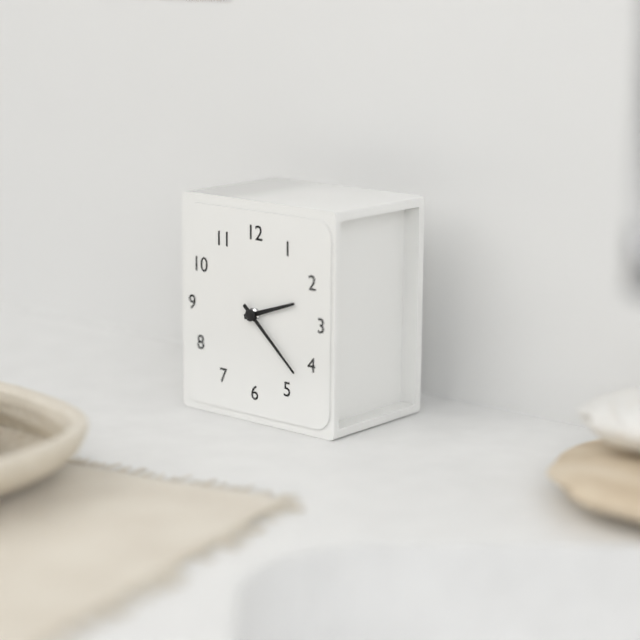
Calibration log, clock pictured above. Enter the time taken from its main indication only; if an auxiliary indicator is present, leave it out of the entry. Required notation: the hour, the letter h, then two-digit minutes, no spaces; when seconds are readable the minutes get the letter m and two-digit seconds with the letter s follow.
2h22
